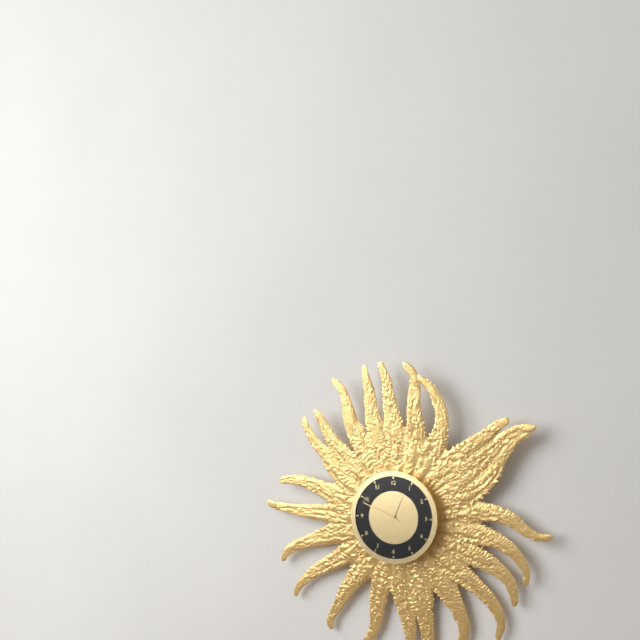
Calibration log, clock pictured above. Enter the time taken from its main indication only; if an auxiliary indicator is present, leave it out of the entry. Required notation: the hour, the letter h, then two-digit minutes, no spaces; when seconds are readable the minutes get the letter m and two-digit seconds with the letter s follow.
12h49
